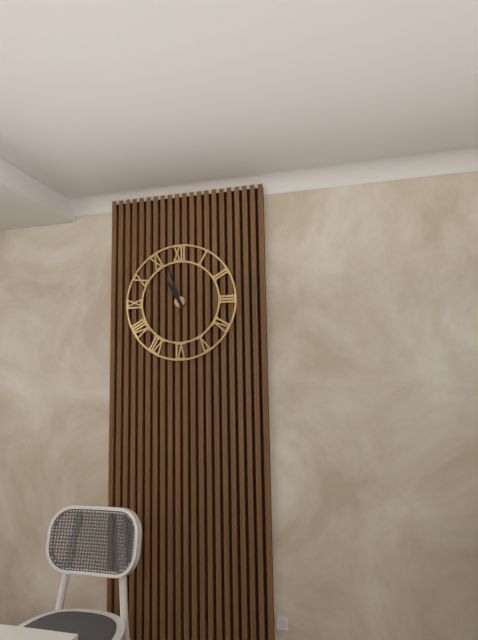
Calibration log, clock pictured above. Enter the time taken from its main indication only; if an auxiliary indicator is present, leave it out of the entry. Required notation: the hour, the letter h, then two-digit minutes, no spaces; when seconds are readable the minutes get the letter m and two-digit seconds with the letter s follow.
10h57
